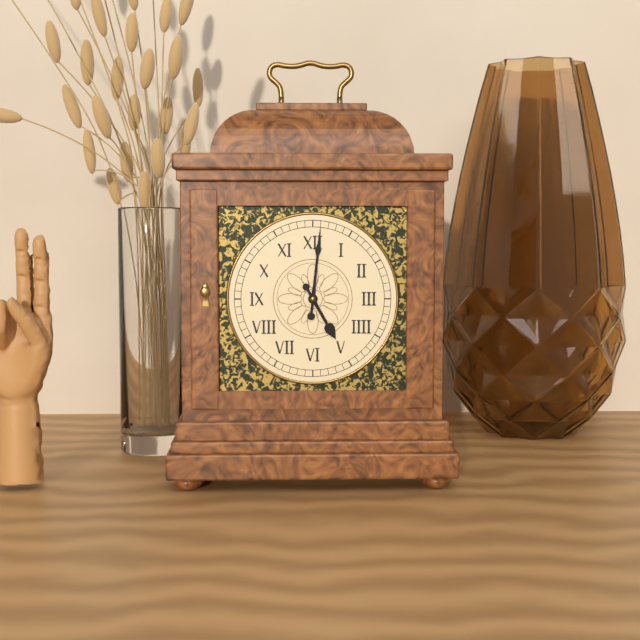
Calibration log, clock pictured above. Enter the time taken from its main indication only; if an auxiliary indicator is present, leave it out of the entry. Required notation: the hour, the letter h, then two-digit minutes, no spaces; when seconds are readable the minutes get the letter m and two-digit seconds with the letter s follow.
5h01
